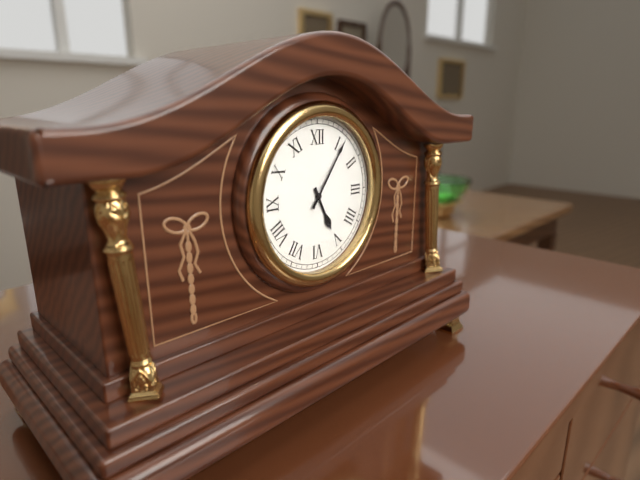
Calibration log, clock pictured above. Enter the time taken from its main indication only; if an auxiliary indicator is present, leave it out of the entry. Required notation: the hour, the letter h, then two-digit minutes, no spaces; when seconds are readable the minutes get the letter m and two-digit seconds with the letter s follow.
5h06
